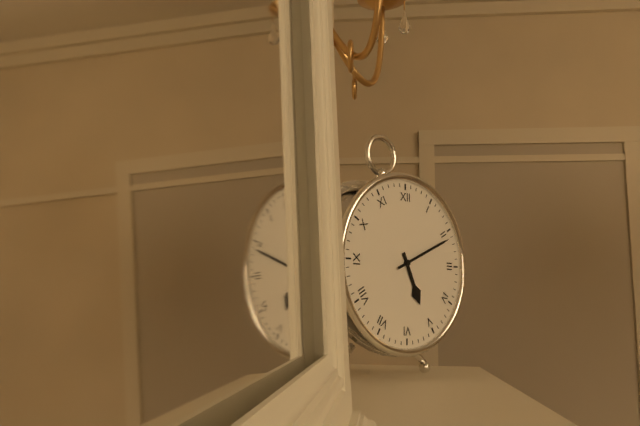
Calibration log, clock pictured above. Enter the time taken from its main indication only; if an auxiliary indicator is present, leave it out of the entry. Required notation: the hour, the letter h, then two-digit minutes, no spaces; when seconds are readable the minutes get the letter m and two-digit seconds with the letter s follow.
5h11
